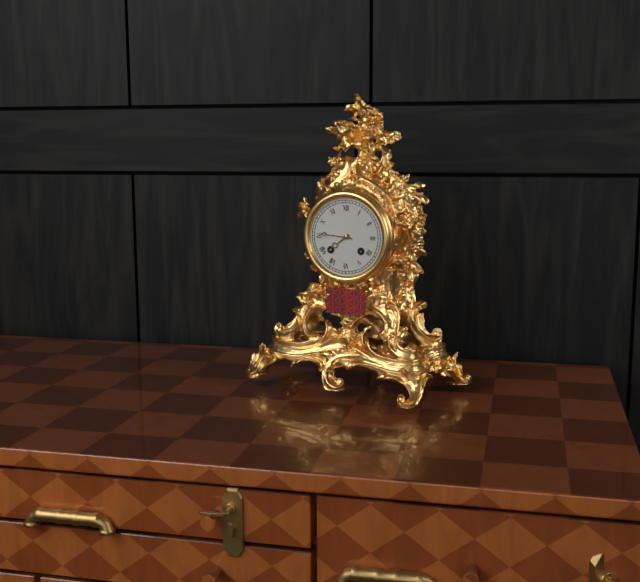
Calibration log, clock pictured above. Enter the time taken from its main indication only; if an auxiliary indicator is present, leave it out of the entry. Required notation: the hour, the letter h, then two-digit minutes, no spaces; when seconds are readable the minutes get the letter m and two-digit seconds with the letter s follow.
7h46
